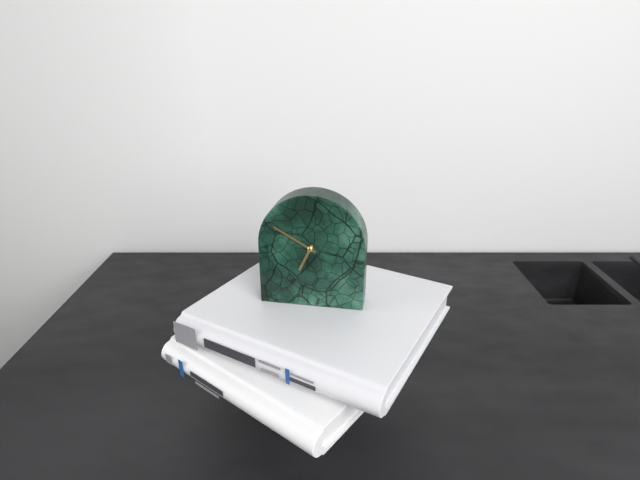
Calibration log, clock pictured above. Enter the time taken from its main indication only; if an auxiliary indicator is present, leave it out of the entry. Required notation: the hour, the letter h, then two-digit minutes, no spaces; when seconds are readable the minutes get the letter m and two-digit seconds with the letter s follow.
6h50
